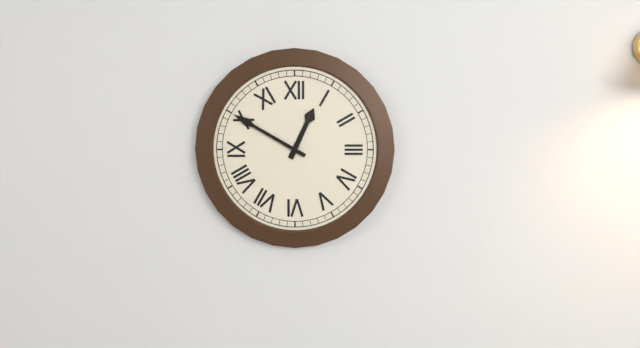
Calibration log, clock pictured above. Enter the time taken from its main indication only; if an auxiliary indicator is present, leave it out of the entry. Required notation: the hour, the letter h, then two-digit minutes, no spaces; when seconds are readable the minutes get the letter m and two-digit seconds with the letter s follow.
12h50
